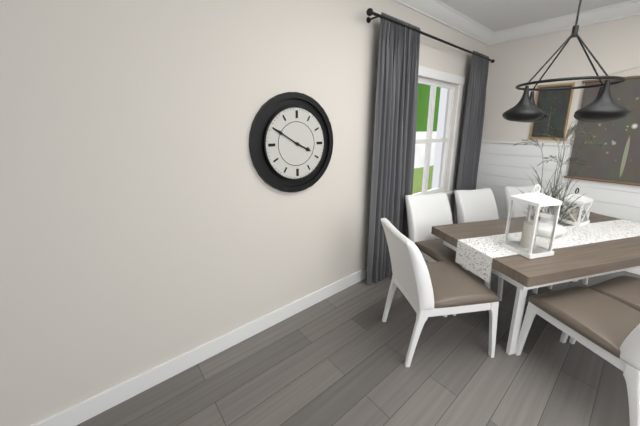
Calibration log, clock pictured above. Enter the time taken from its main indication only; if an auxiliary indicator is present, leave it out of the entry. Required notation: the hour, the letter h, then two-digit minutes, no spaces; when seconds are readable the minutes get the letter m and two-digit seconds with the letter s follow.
3h50
